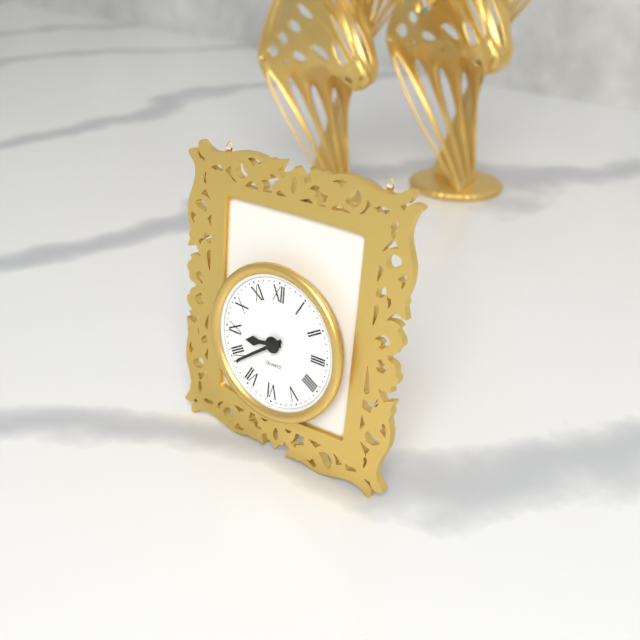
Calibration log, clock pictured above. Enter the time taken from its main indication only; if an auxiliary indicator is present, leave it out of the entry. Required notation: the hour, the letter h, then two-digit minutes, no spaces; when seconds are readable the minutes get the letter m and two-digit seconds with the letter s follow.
8h39
